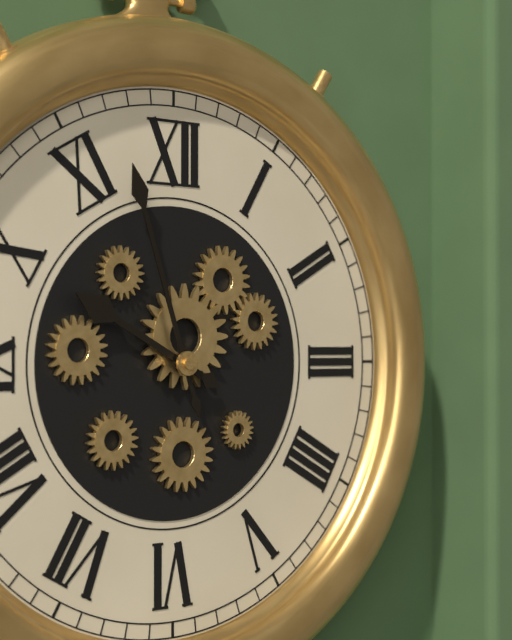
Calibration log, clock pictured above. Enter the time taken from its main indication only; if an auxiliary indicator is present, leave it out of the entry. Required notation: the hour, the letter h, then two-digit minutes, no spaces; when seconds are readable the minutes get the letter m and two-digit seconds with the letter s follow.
9h57
